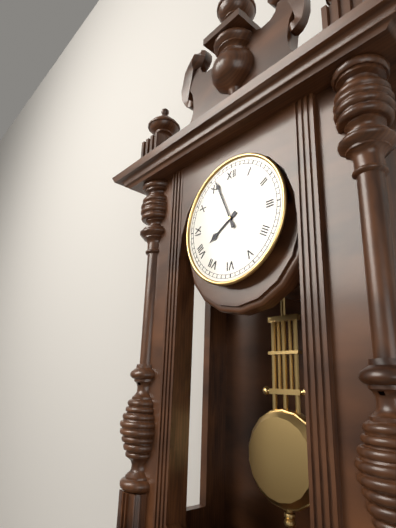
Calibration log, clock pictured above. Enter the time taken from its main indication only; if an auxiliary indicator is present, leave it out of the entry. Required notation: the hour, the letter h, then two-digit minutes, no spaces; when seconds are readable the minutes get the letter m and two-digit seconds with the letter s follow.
7h56
